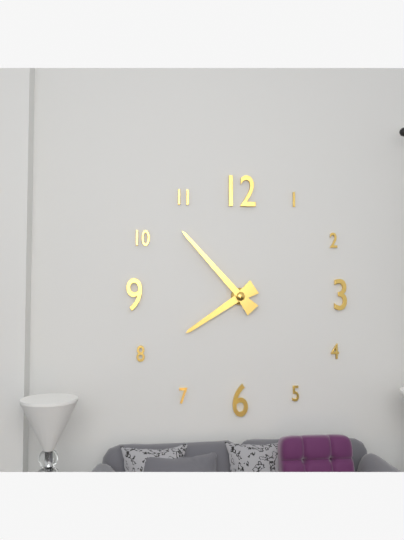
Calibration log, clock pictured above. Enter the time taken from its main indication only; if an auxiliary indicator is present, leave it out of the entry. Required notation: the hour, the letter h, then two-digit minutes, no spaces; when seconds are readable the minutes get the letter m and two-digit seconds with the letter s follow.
7h53
